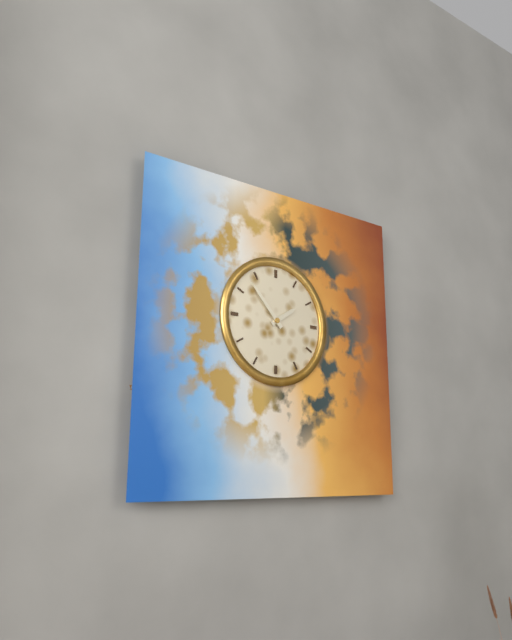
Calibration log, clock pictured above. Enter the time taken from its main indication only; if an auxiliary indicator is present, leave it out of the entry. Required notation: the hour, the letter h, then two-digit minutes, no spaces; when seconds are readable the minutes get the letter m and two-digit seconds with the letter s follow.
1h53
